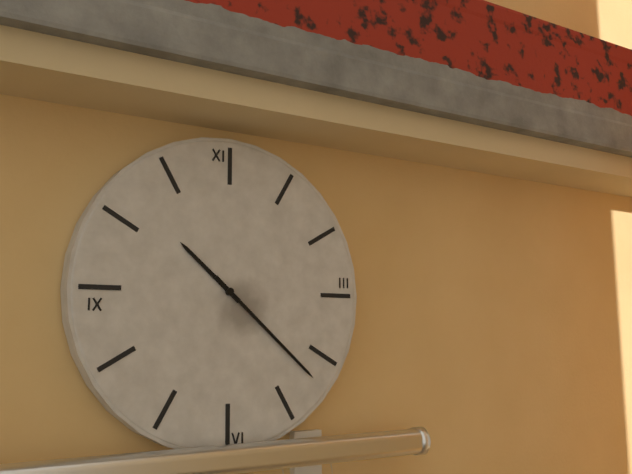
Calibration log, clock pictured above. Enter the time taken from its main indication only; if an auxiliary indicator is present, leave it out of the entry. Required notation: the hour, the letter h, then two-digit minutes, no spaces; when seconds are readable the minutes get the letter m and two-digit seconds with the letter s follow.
10h22
